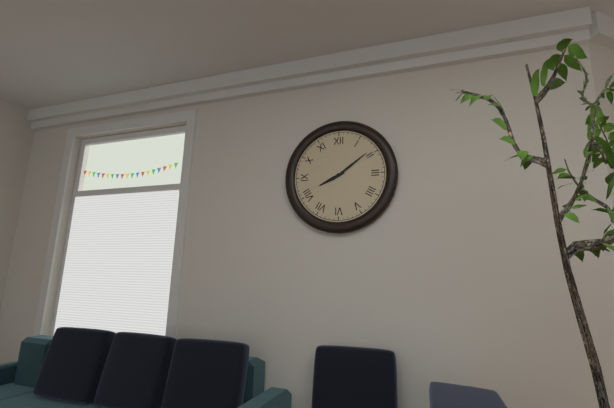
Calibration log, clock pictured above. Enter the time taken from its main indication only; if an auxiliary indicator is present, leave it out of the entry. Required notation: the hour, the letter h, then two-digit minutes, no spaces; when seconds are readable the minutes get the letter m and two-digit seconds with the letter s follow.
8h09
